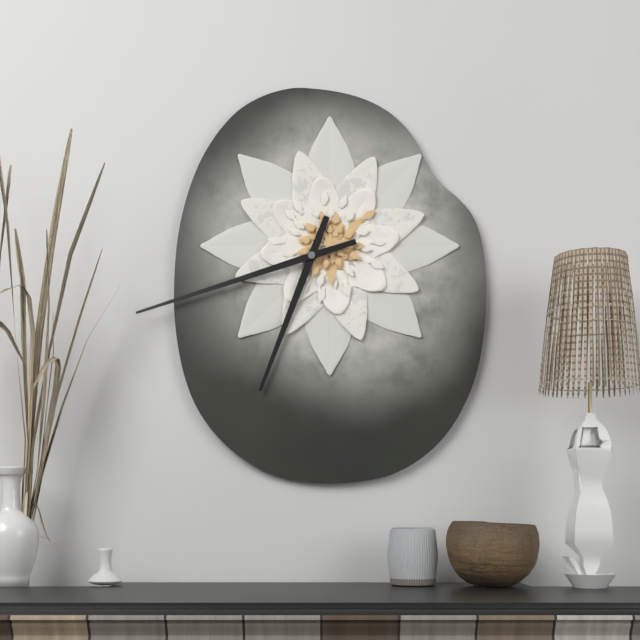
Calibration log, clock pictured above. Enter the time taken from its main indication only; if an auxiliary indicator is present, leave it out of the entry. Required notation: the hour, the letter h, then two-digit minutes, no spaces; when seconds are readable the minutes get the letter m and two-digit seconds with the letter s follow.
6h42
